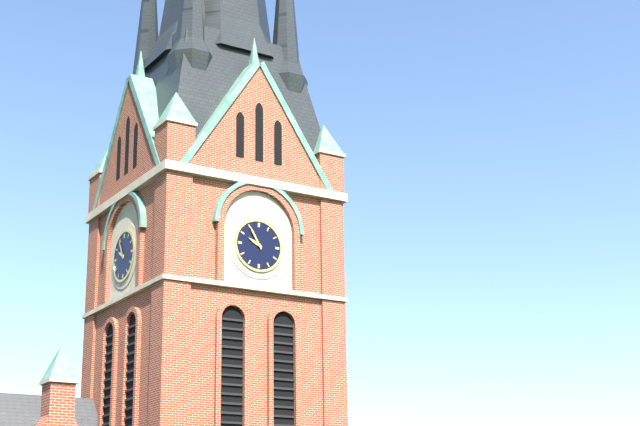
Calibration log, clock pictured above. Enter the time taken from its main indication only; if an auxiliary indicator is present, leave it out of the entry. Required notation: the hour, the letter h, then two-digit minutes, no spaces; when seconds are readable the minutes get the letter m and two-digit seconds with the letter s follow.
9h55
